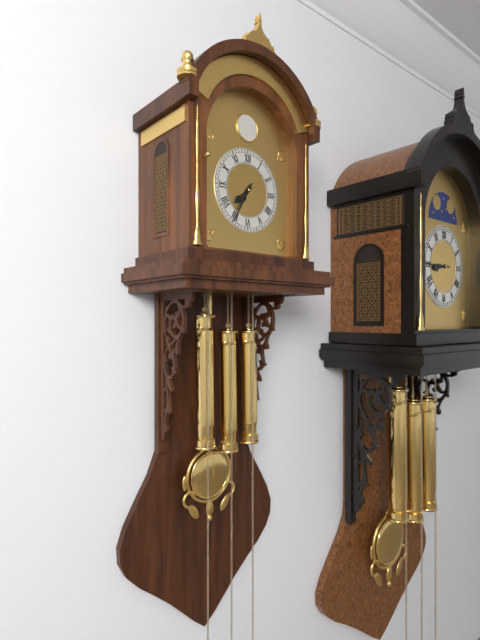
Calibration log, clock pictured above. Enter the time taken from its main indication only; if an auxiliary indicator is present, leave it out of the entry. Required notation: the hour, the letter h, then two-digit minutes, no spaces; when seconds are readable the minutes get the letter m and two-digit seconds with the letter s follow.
7h35
